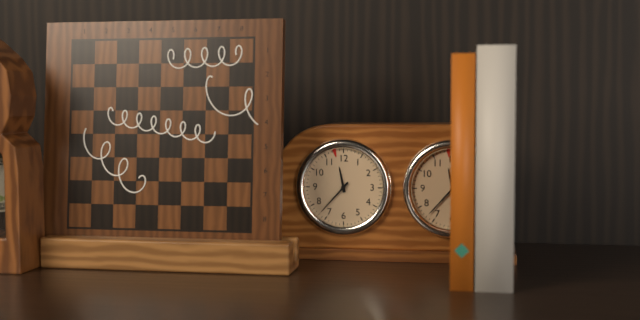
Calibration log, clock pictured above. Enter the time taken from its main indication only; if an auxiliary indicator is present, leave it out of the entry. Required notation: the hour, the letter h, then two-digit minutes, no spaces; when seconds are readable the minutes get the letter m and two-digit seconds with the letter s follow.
11h37
